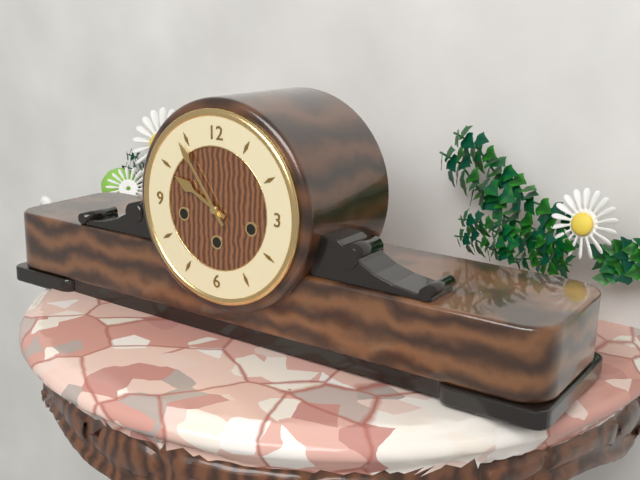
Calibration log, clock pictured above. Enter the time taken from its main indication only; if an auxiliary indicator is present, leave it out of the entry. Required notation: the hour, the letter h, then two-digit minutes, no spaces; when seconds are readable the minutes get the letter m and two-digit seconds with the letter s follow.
9h54
